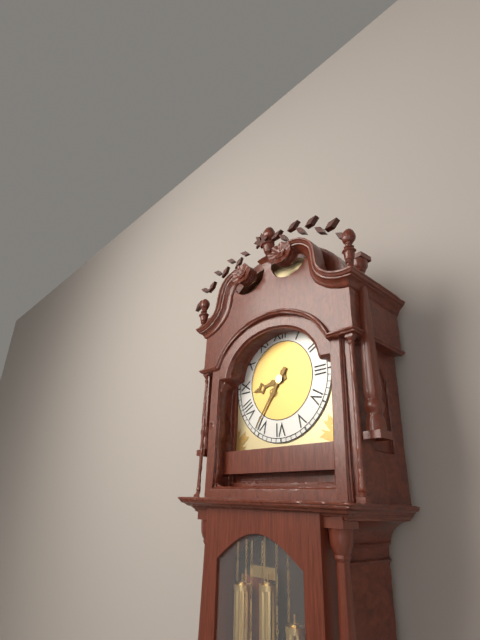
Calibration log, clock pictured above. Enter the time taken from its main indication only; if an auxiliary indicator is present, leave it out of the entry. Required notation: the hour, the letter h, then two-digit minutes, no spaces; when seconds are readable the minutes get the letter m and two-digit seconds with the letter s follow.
8h36
